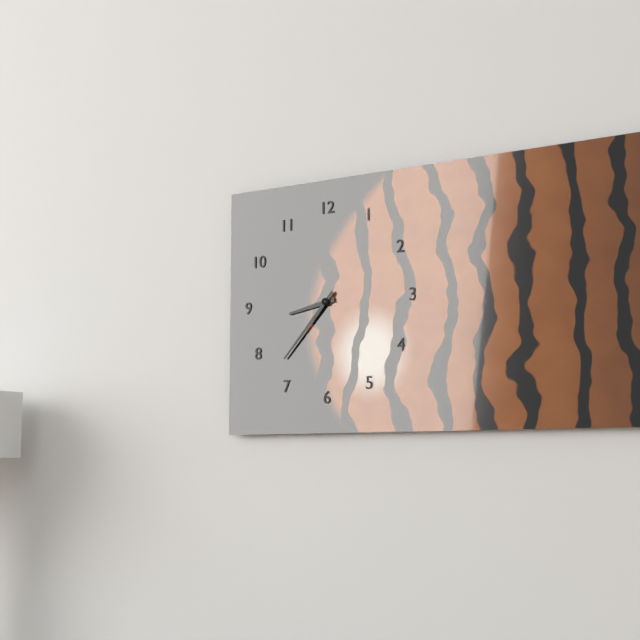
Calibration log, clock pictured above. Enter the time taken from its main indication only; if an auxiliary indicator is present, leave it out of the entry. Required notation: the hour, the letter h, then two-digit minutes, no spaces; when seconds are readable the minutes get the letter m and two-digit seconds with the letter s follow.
8h37
